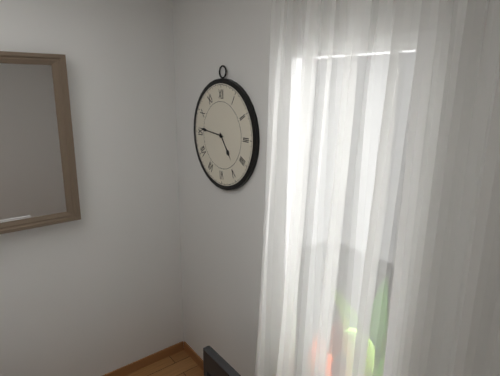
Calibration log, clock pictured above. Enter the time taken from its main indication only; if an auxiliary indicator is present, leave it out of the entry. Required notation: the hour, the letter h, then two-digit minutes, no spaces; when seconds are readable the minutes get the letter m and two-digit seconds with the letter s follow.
4h46
